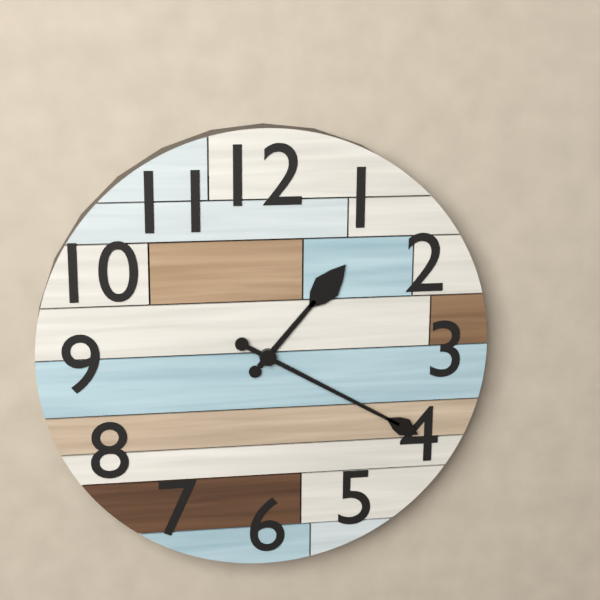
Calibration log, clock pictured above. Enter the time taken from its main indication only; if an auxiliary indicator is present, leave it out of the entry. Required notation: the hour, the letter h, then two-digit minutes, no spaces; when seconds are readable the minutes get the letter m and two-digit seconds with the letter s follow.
1h20
